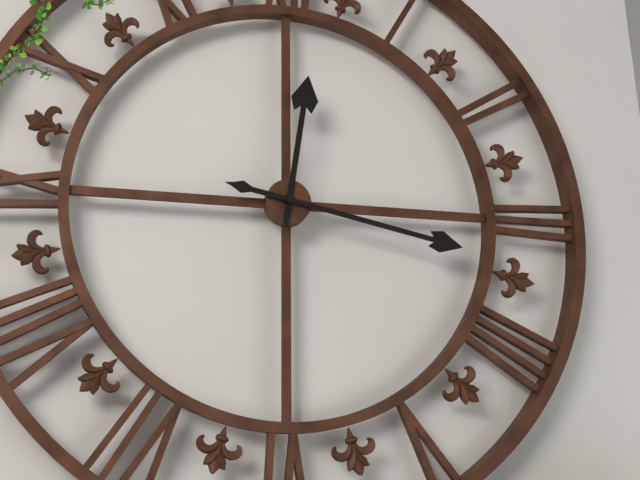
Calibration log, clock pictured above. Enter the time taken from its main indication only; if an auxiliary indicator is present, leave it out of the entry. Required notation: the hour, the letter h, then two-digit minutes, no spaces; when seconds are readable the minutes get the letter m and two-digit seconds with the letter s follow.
12h17
